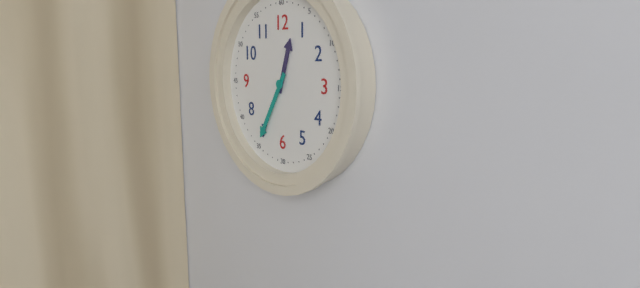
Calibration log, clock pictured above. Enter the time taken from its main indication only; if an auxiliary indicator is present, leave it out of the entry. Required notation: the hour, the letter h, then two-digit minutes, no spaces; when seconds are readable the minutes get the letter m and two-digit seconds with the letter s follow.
12h35
